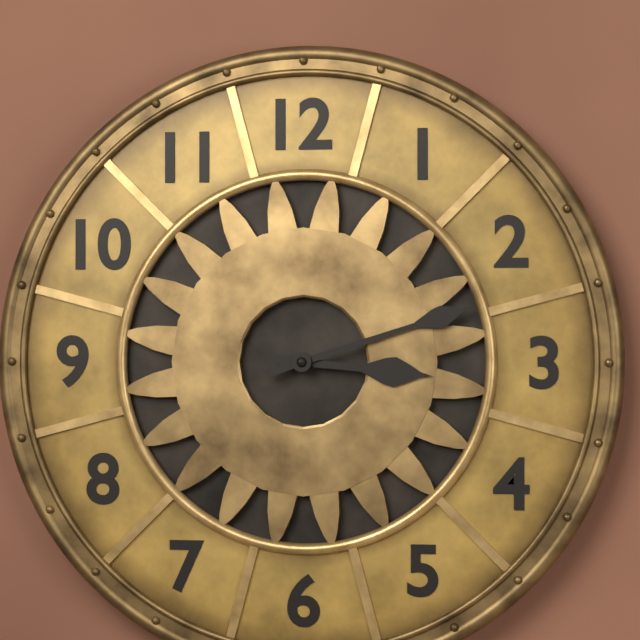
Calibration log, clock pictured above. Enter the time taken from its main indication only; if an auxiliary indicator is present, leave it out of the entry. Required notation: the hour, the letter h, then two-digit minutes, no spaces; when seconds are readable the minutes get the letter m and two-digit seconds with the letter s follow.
3h12
